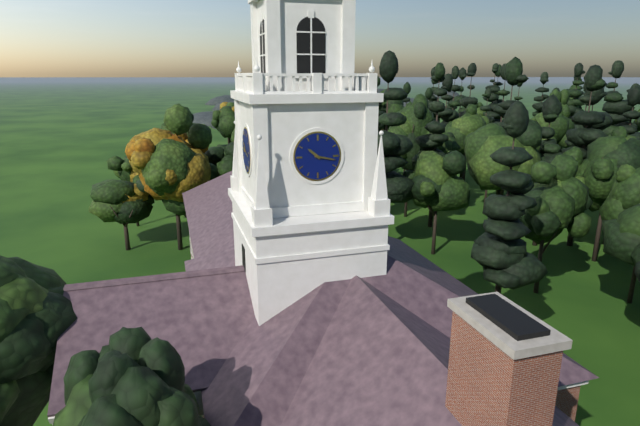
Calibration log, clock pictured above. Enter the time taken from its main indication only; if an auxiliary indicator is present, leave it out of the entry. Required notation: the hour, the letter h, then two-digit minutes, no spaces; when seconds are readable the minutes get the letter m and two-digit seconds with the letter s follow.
10h17
